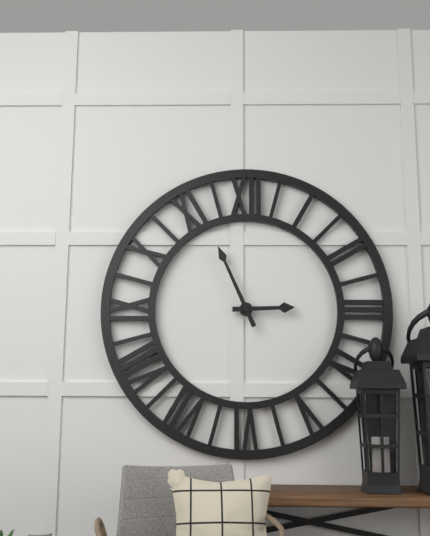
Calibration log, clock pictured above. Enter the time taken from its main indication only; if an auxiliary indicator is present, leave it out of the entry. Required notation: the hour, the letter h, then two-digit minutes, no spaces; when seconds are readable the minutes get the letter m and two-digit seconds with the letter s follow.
2h56
